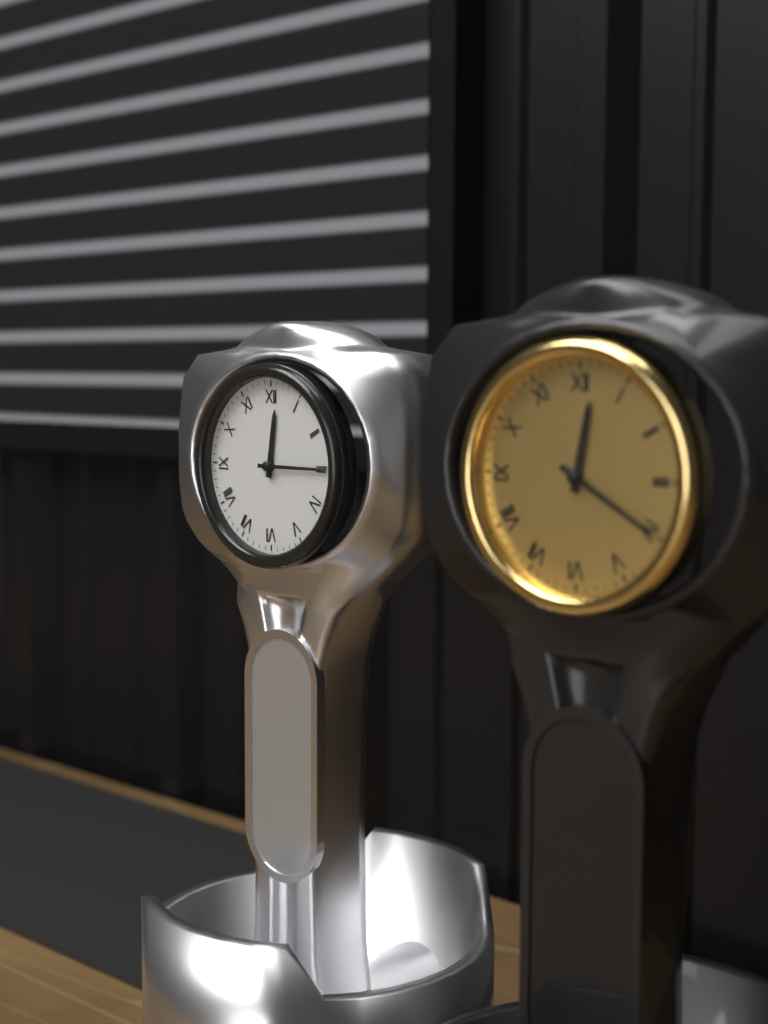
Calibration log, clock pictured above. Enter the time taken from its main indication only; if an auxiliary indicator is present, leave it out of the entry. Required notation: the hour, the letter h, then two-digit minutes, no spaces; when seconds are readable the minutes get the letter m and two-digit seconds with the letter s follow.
12h15
